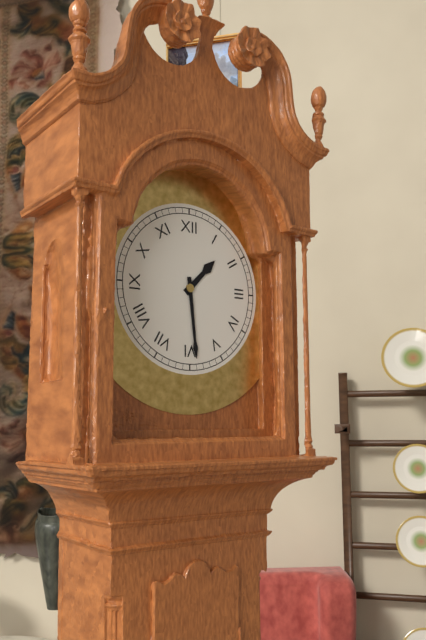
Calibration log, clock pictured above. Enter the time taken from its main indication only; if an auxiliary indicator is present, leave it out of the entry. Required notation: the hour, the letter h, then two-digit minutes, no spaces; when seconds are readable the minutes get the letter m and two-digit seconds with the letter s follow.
1h29
